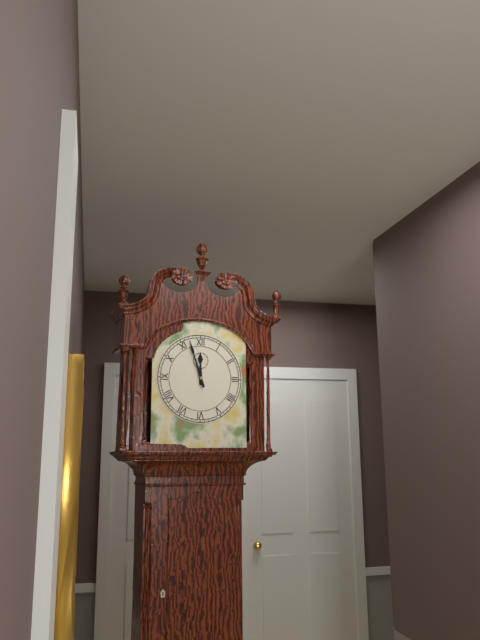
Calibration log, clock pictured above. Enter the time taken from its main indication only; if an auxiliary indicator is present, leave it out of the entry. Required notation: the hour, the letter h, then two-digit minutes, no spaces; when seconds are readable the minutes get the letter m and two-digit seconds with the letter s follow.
11h57
